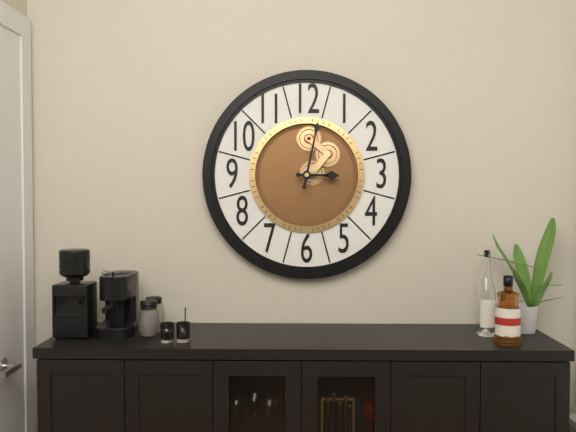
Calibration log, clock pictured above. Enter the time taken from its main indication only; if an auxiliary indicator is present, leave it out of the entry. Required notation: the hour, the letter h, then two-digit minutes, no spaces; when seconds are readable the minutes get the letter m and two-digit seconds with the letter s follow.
3h02
